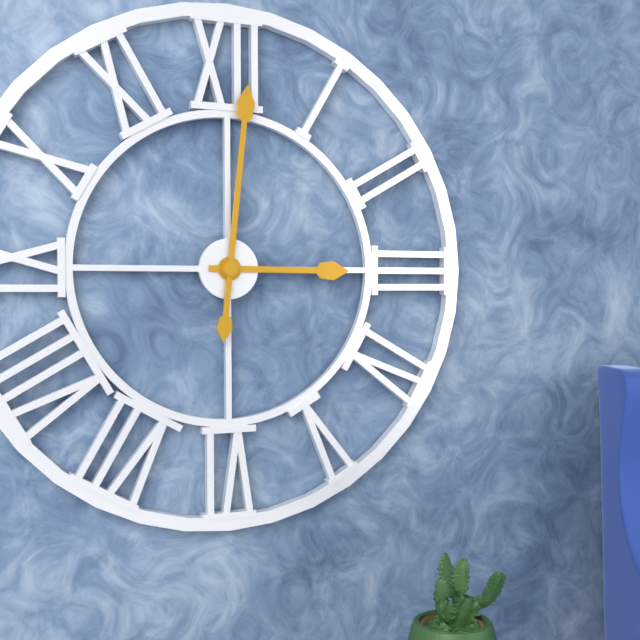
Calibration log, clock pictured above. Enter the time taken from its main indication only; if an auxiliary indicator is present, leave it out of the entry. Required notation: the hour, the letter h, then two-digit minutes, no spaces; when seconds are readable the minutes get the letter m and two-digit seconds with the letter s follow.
3h01
